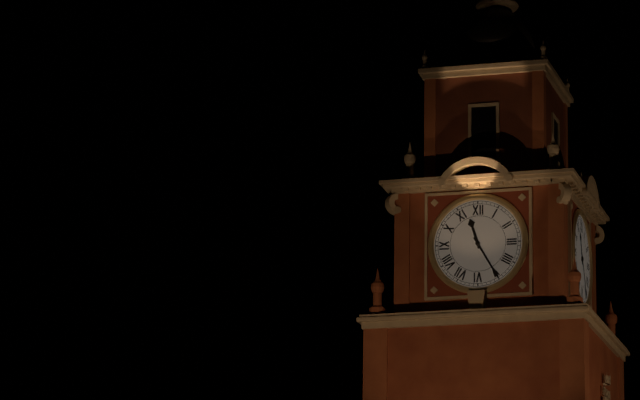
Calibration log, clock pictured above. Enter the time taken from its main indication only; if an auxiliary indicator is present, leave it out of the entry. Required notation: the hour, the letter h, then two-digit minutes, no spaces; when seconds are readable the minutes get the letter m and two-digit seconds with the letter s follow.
11h25
